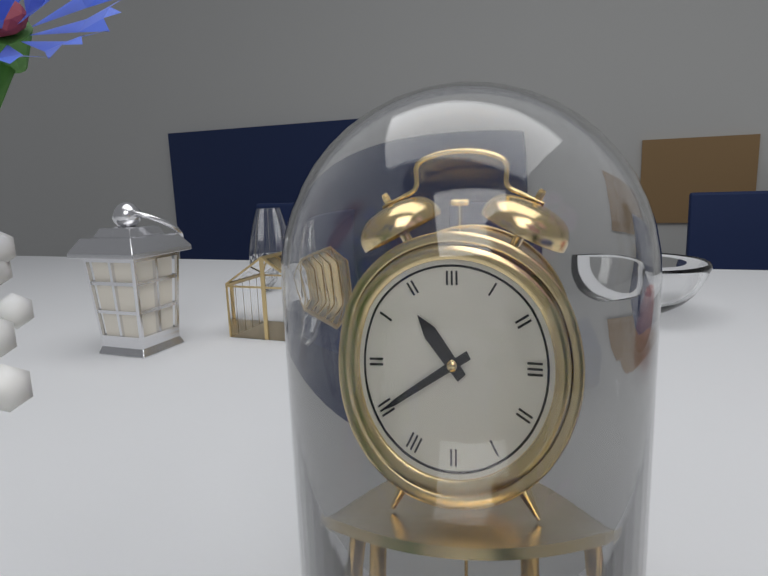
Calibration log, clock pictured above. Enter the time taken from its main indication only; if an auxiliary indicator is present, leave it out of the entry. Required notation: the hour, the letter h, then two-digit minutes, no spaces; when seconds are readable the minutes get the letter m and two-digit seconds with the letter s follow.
10h40
